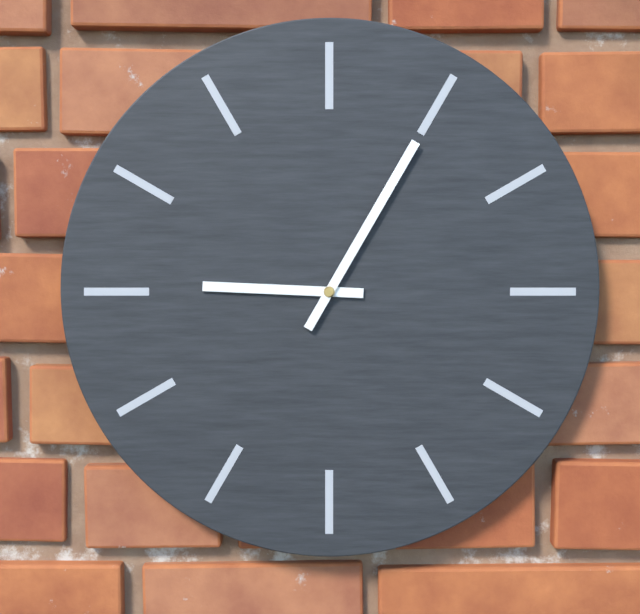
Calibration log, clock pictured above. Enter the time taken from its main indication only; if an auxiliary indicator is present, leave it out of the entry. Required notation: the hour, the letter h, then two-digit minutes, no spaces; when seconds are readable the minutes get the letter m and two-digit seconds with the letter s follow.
9h05
